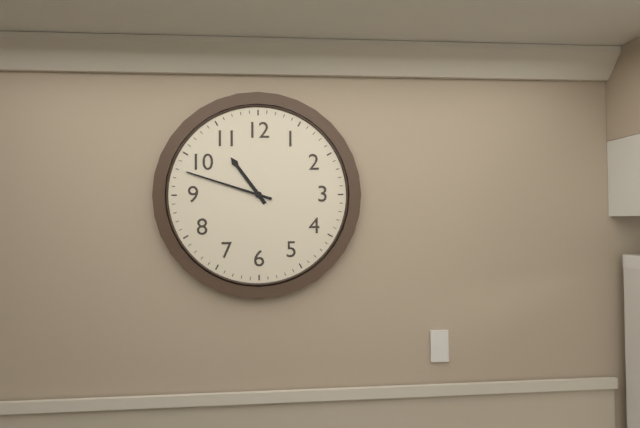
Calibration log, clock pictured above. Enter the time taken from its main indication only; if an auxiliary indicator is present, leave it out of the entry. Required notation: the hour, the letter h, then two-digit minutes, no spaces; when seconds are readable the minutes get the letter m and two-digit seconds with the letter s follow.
10h48
